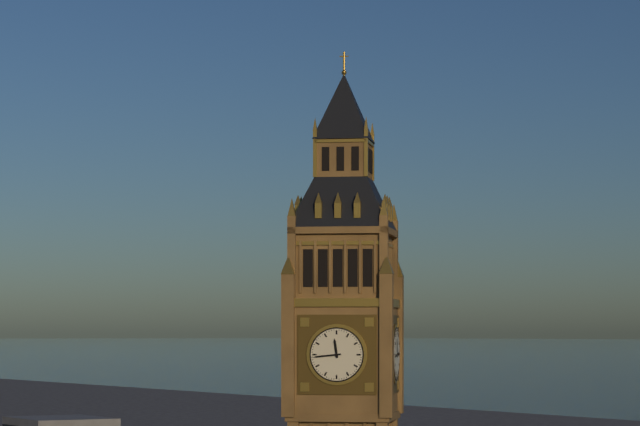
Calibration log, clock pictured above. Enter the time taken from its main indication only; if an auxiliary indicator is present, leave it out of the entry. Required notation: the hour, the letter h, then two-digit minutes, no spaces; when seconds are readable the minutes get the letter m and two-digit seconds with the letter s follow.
11h44
